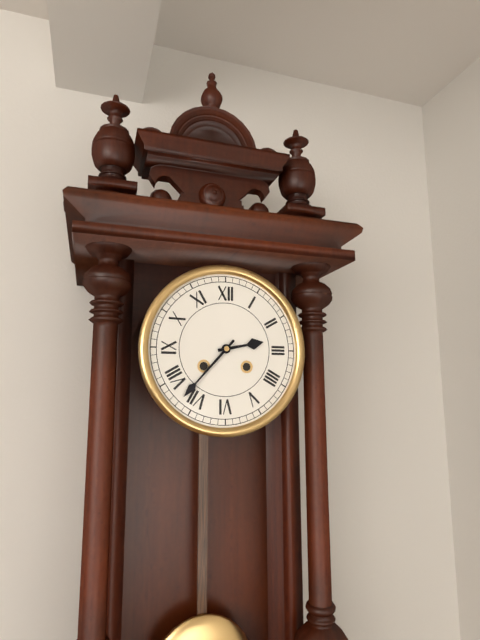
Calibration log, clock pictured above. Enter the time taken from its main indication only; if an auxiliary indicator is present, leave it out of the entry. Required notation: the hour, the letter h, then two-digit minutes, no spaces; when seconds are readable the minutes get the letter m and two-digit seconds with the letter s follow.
2h37
